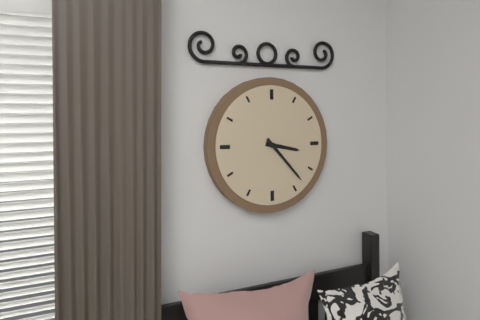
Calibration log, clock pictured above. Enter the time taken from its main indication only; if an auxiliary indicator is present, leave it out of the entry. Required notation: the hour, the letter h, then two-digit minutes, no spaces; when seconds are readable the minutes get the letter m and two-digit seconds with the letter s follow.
3h23
